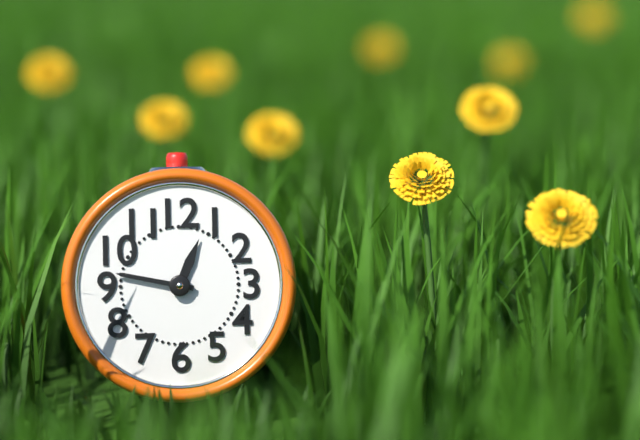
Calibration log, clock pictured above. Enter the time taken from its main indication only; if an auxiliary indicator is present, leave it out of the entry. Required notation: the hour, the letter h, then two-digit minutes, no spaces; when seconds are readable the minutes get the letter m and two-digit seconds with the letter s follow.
12h47
